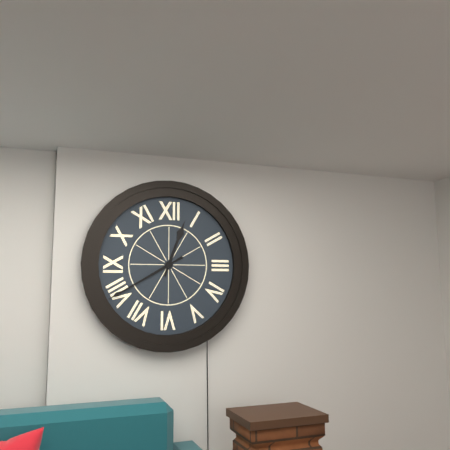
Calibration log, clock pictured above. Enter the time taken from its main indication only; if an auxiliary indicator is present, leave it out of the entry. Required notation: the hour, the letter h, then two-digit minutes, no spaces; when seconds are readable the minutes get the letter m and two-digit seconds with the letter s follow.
12h40
